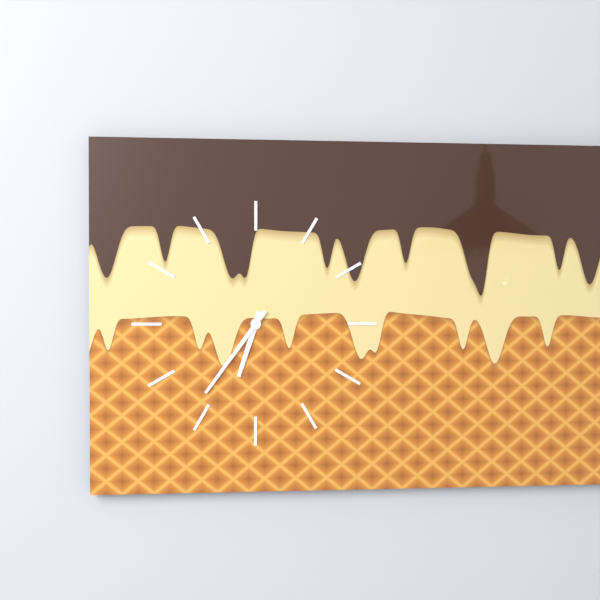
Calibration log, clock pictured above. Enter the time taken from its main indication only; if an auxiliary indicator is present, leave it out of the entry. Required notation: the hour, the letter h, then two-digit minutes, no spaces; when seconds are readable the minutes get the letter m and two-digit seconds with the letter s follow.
6h36
